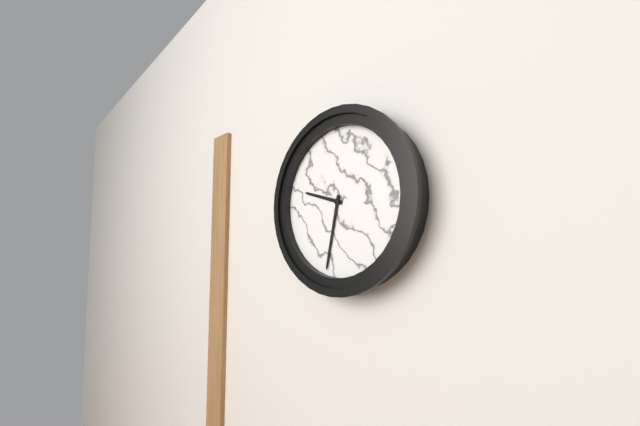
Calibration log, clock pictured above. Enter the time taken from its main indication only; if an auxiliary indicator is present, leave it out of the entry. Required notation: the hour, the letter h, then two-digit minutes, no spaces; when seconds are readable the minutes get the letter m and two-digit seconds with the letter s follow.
9h32
